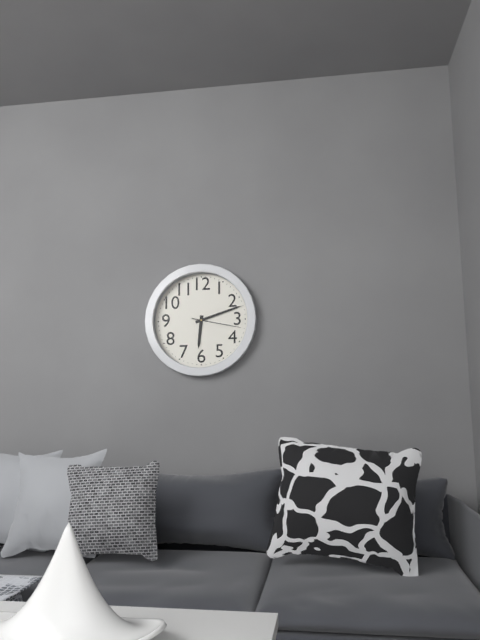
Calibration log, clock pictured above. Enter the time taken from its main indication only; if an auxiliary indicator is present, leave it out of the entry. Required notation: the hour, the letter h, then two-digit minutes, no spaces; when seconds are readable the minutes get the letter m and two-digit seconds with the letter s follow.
6h12
